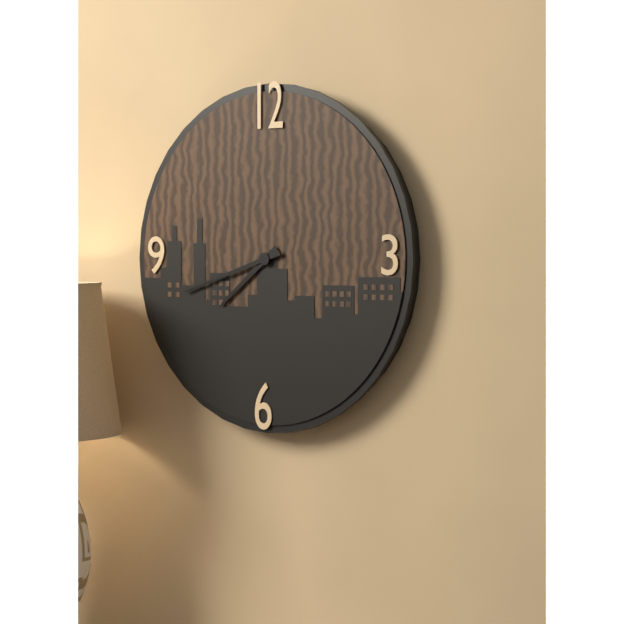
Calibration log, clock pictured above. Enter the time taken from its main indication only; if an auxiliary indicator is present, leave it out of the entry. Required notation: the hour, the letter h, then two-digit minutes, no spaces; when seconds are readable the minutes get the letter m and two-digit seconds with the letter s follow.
7h42
